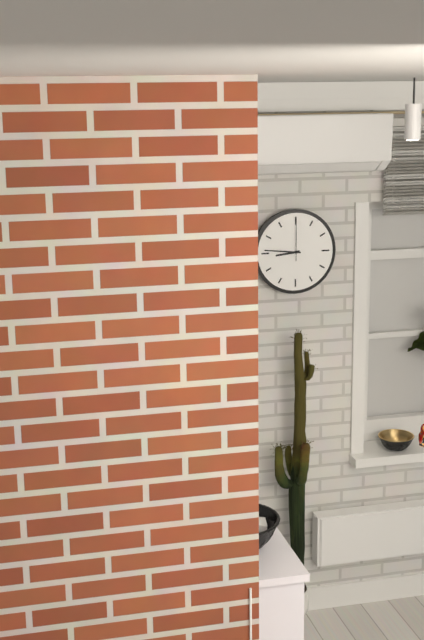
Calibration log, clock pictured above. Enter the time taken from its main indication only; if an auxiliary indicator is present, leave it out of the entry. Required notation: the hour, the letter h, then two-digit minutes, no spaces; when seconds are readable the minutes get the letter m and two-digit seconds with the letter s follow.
8h46
